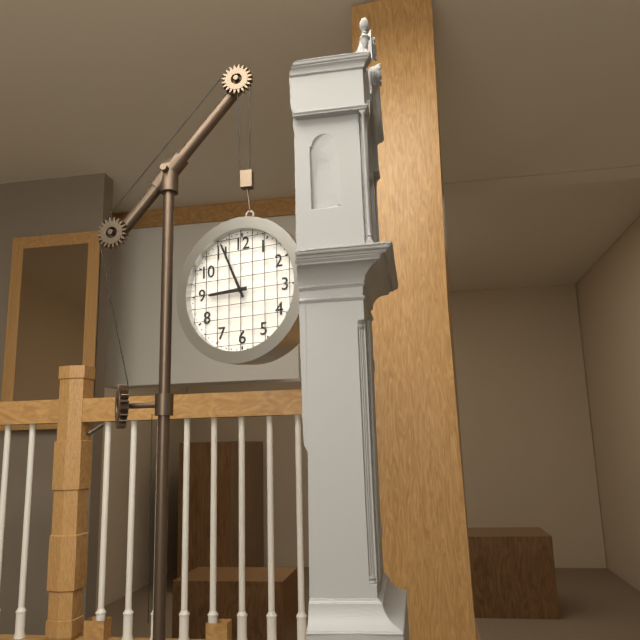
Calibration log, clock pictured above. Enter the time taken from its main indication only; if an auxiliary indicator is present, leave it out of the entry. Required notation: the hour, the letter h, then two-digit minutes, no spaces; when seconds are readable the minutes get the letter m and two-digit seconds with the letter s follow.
8h56
